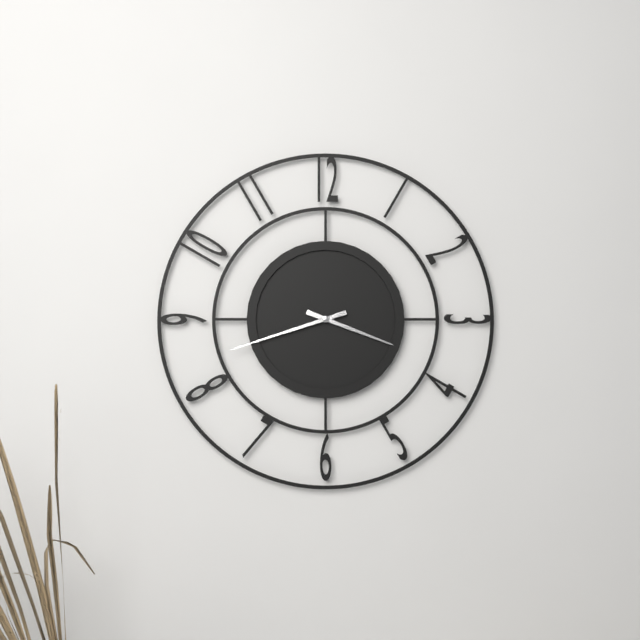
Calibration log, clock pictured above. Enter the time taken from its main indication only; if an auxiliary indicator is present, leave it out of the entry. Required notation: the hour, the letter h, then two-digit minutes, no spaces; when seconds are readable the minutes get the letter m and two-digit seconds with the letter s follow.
3h42
